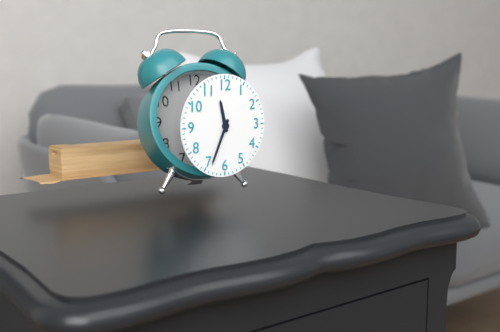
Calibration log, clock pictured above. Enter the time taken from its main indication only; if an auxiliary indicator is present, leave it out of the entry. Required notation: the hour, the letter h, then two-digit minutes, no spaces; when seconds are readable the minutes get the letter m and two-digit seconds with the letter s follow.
11h34
